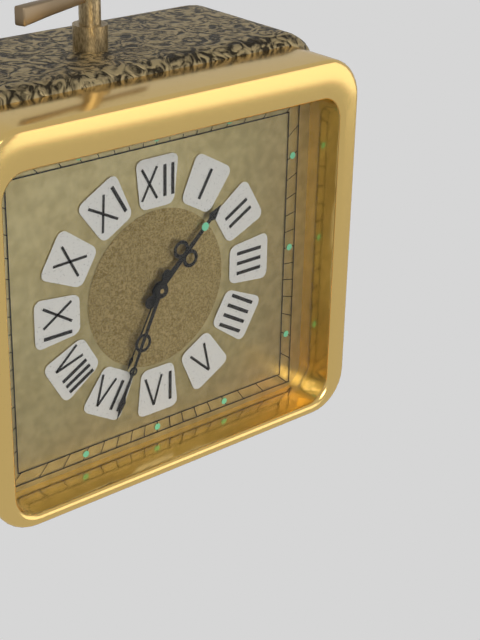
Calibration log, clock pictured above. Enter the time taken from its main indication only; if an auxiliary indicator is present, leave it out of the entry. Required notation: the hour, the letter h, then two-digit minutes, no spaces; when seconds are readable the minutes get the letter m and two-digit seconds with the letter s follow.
1h34
